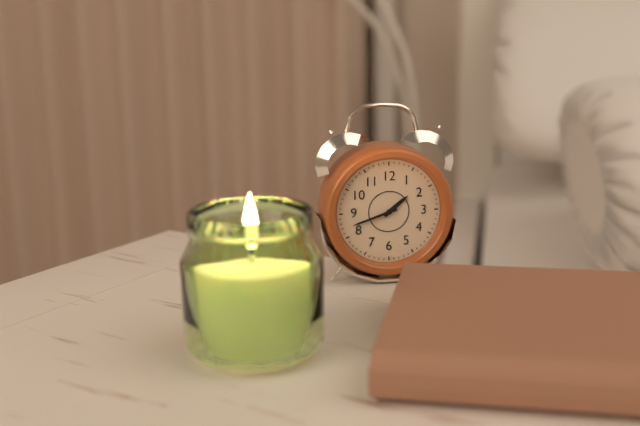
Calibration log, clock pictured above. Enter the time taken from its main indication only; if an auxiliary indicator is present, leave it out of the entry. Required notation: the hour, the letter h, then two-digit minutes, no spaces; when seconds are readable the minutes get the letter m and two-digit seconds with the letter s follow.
1h42
